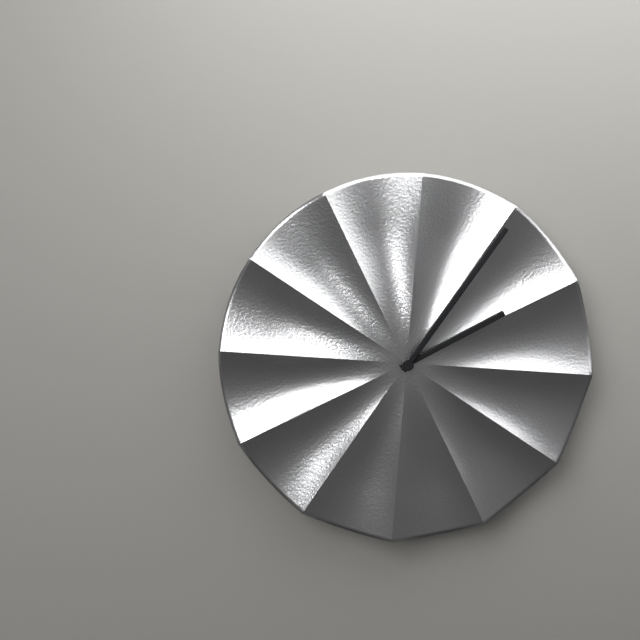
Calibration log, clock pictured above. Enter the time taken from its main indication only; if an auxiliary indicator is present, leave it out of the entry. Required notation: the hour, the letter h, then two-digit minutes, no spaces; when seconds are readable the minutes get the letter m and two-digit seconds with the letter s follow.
2h06
